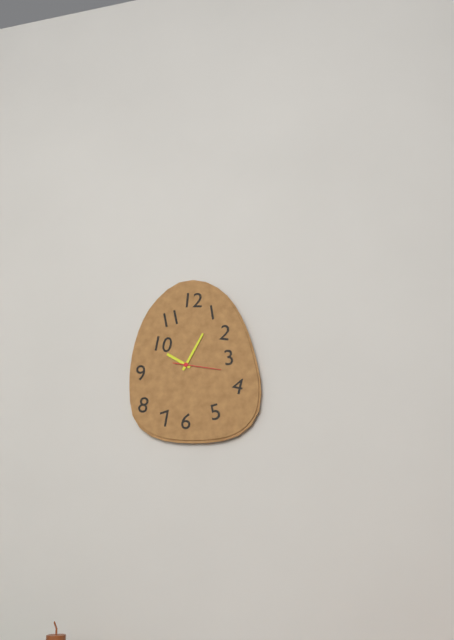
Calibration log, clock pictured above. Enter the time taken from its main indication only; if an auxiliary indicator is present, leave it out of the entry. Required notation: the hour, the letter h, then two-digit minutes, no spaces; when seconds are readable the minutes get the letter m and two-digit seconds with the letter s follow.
10h05
